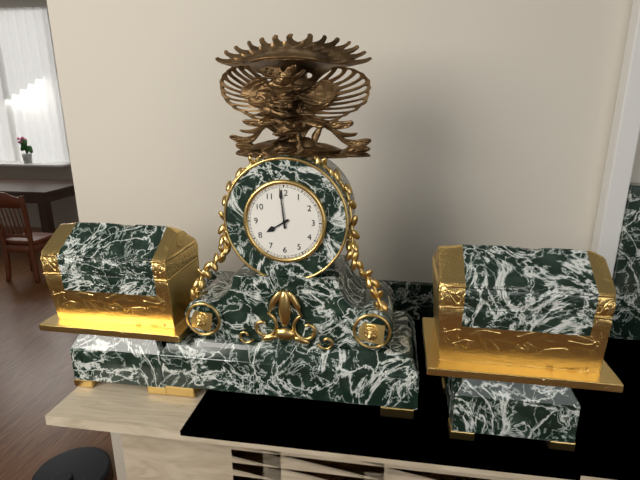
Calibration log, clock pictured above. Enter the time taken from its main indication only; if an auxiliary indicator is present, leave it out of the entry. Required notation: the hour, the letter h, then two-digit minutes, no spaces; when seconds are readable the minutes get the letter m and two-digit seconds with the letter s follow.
7h59
